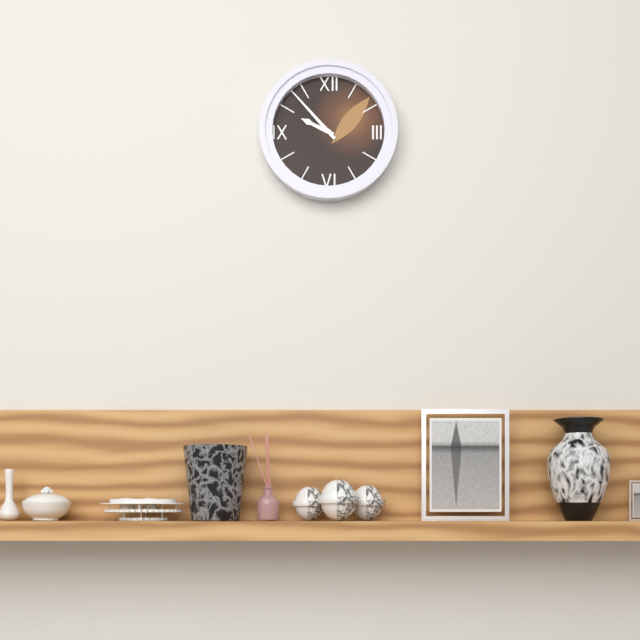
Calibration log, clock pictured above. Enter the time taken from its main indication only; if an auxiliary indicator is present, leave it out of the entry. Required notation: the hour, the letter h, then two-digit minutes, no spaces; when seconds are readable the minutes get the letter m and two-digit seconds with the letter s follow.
9h53
